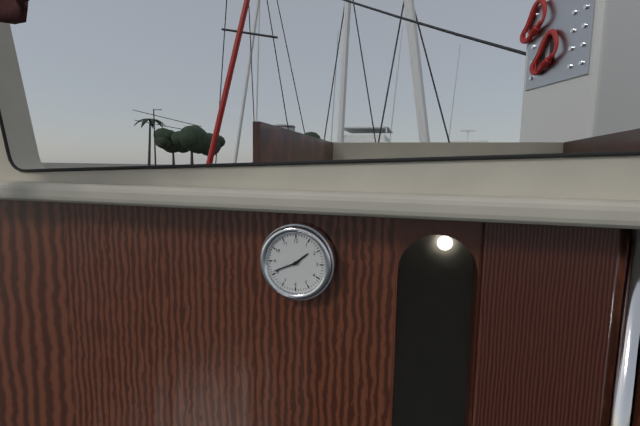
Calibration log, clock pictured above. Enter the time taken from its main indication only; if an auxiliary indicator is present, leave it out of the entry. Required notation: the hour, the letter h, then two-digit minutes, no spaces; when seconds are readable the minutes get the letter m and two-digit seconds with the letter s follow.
1h41
